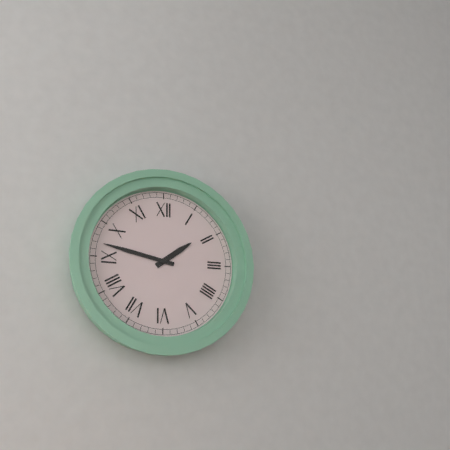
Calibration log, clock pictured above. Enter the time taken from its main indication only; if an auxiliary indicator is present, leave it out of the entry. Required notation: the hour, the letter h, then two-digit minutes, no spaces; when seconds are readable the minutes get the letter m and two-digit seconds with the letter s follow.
1h47
